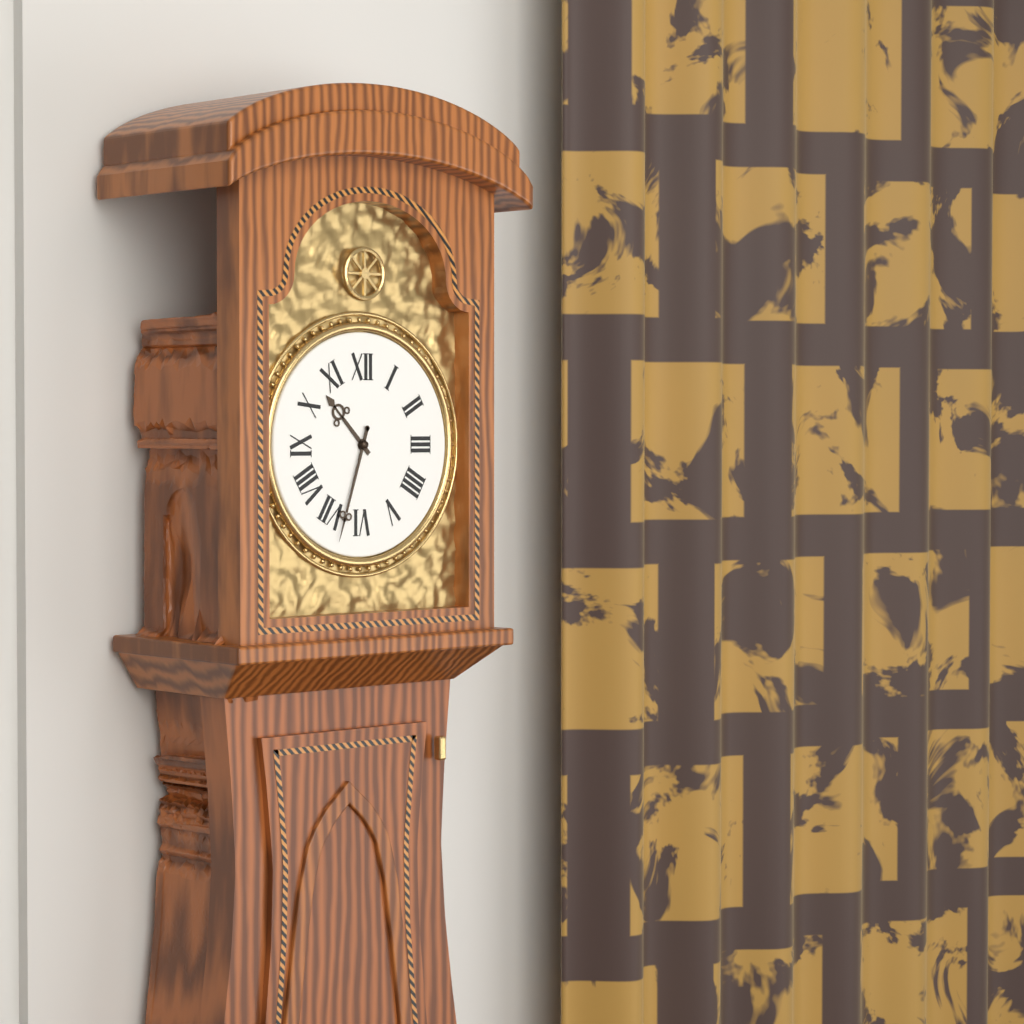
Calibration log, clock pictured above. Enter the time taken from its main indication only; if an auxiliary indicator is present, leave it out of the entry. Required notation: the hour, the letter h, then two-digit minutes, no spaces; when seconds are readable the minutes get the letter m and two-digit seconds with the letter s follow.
10h33
